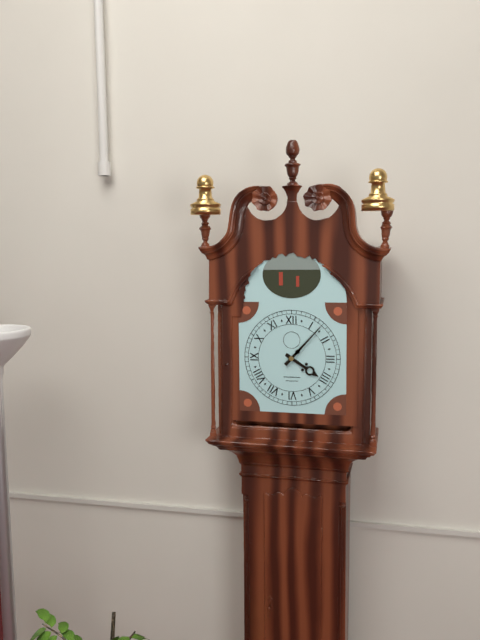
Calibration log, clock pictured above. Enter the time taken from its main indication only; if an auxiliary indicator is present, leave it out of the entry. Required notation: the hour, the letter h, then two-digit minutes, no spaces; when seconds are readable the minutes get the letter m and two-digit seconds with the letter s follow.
4h07
